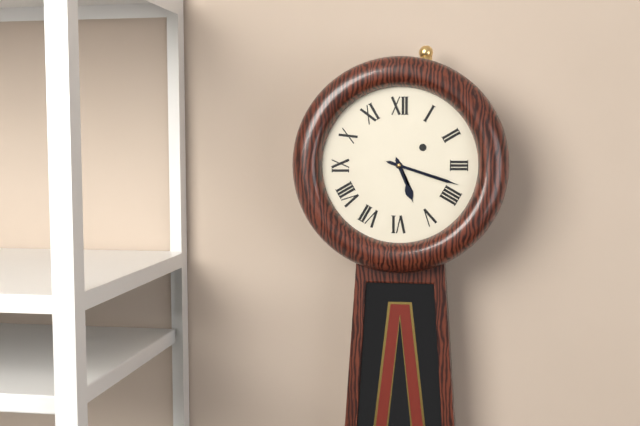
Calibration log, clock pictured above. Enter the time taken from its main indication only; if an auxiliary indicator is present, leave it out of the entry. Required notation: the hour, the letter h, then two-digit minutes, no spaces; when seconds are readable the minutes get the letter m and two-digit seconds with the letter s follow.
5h18
